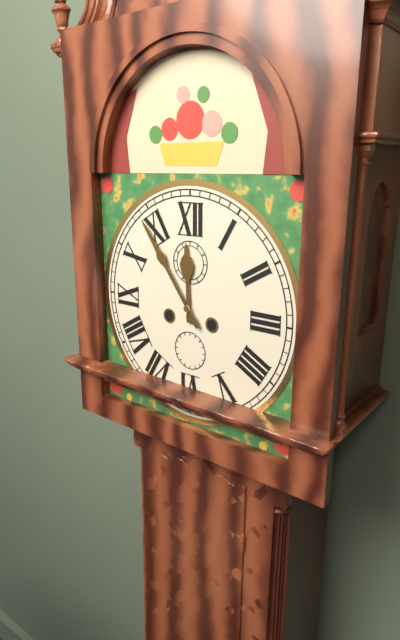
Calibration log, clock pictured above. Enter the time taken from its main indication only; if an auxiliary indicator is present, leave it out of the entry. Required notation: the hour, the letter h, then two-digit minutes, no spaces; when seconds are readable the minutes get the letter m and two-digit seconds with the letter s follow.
11h54
